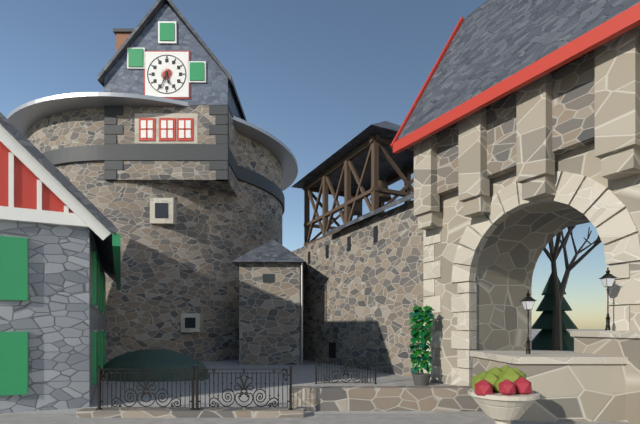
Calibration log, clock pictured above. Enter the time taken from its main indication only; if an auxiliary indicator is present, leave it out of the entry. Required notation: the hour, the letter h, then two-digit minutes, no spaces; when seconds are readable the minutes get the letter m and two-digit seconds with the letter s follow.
5h34
